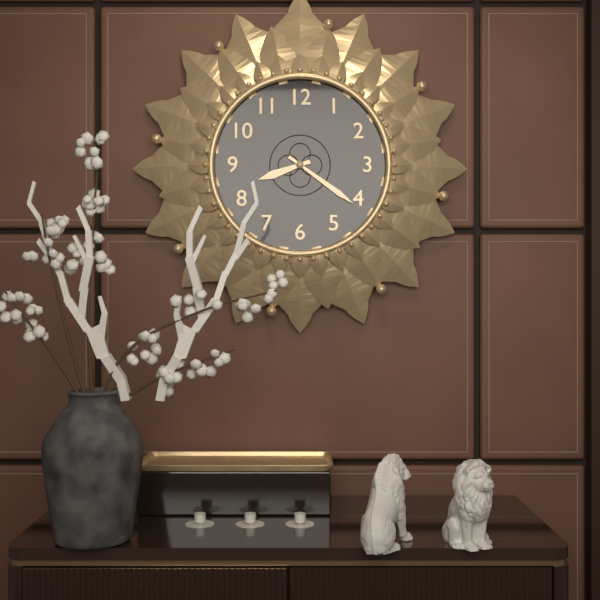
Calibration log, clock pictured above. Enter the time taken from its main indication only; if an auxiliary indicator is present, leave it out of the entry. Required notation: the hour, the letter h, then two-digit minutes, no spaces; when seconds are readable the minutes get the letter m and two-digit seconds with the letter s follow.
8h21
